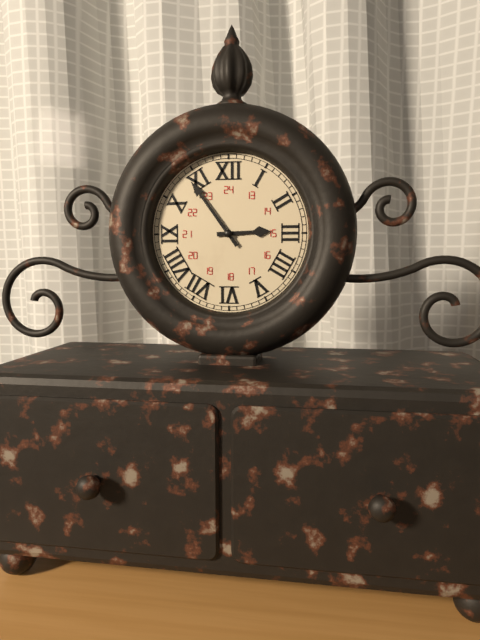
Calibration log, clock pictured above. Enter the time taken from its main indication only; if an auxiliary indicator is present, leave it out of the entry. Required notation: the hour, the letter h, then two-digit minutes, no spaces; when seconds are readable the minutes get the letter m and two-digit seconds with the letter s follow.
2h54
